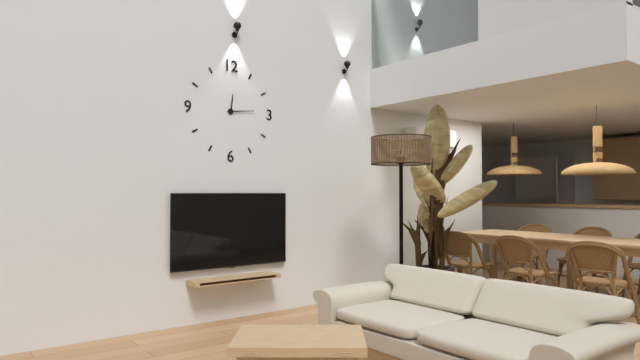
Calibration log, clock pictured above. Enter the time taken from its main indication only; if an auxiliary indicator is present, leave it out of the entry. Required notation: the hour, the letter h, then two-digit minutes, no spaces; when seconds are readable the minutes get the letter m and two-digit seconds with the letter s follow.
12h14
